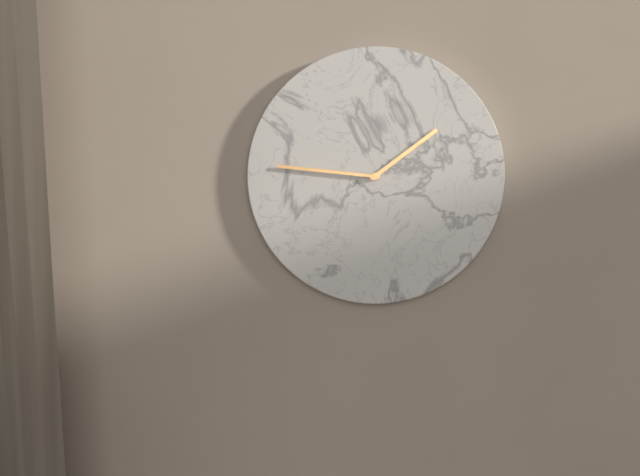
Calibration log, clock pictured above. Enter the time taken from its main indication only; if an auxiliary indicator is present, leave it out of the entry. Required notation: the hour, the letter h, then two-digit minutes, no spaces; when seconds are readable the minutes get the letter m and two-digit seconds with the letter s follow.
1h46
